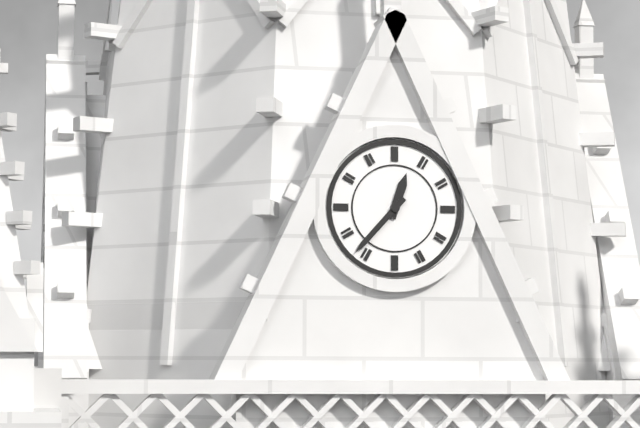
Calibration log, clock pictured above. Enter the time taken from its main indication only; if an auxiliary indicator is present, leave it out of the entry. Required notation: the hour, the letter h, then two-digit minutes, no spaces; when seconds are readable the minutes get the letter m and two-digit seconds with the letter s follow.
12h37
